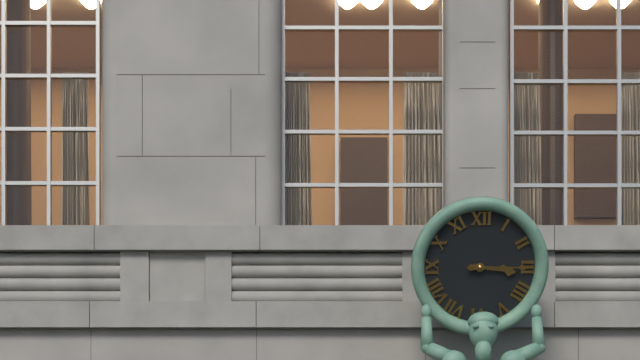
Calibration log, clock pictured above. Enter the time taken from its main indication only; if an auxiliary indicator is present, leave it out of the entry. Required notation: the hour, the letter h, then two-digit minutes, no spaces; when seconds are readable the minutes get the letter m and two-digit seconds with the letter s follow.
3h15
